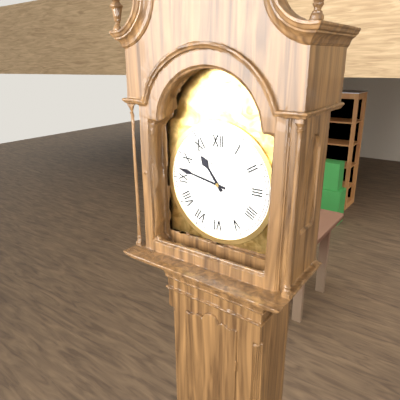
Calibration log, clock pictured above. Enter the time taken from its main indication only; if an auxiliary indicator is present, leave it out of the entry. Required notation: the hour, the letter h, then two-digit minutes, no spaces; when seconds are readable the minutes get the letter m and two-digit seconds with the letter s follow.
10h47
